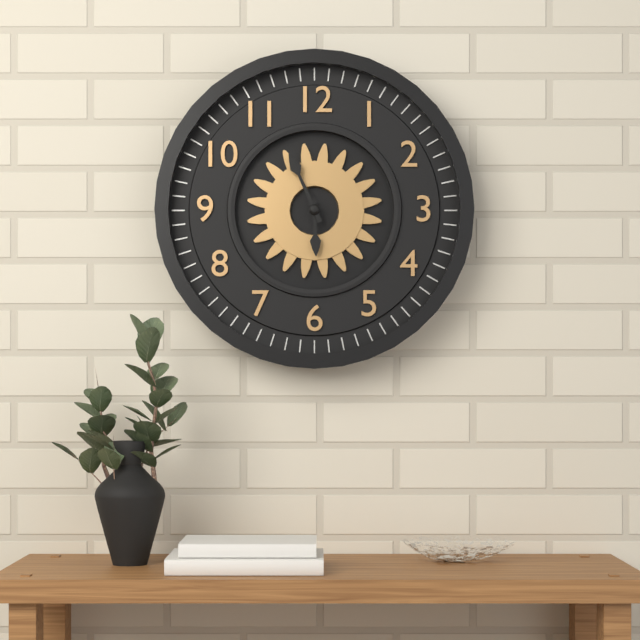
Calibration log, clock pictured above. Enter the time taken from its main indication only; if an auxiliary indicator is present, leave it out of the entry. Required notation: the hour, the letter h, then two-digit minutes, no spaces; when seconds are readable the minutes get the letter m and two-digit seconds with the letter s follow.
5h56
